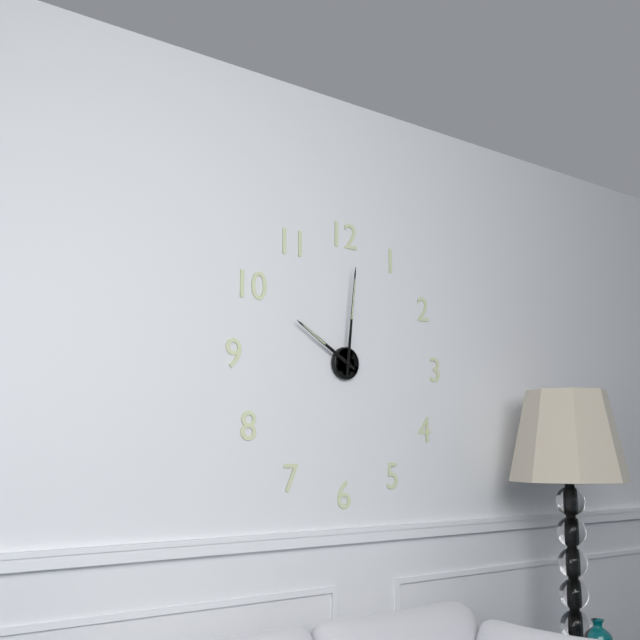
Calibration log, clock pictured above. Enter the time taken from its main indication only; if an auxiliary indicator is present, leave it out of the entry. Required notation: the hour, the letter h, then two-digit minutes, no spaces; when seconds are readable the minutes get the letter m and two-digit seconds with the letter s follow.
10h01
